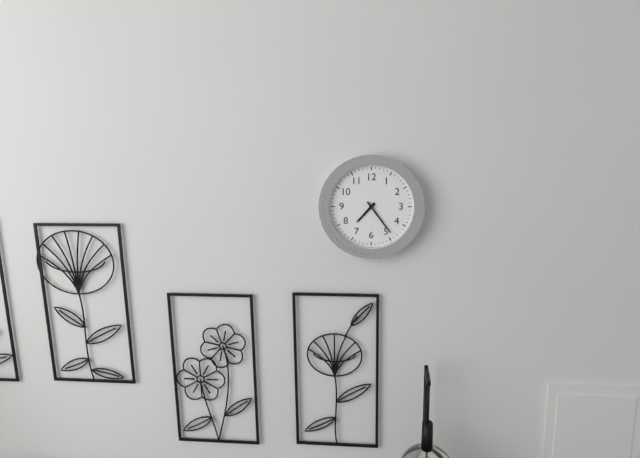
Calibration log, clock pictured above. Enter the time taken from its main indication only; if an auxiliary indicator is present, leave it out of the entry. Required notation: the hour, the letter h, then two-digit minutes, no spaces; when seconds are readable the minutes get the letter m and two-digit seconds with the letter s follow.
7h24
